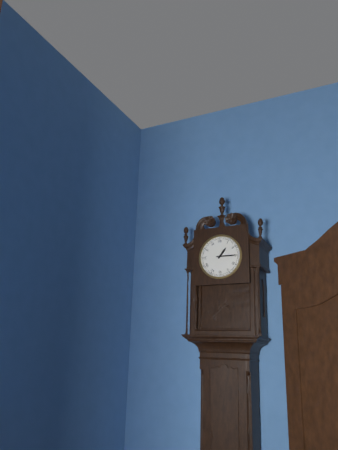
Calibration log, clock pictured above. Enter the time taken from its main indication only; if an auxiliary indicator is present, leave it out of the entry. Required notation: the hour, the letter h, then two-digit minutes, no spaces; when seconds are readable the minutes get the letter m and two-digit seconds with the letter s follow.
1h15
